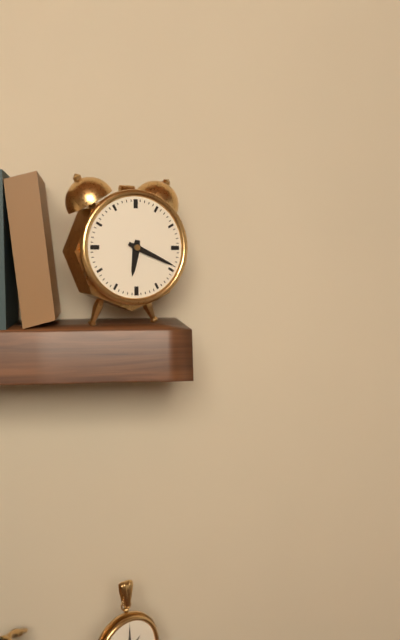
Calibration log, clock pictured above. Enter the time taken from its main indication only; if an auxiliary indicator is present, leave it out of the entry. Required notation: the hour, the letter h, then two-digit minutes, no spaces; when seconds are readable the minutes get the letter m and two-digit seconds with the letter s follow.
6h19
